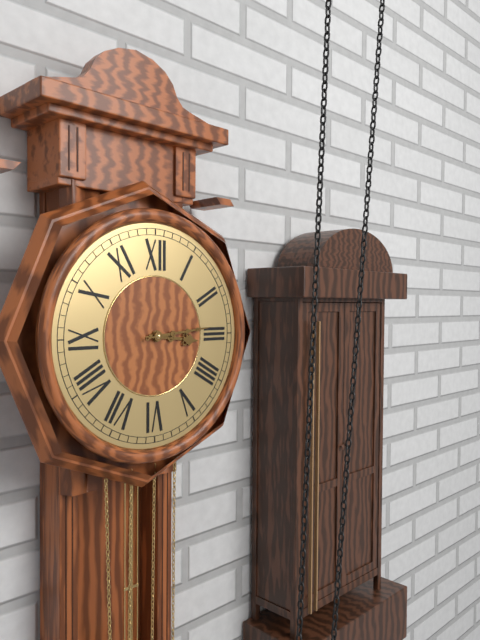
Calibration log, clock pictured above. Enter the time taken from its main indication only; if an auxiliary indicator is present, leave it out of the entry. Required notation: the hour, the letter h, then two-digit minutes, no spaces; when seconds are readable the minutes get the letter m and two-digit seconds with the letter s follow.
3h14
